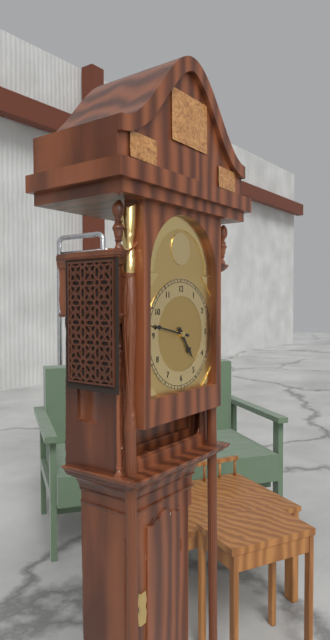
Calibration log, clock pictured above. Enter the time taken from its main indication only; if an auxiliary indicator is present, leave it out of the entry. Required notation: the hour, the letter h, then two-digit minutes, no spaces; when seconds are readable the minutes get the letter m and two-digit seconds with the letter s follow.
4h47
